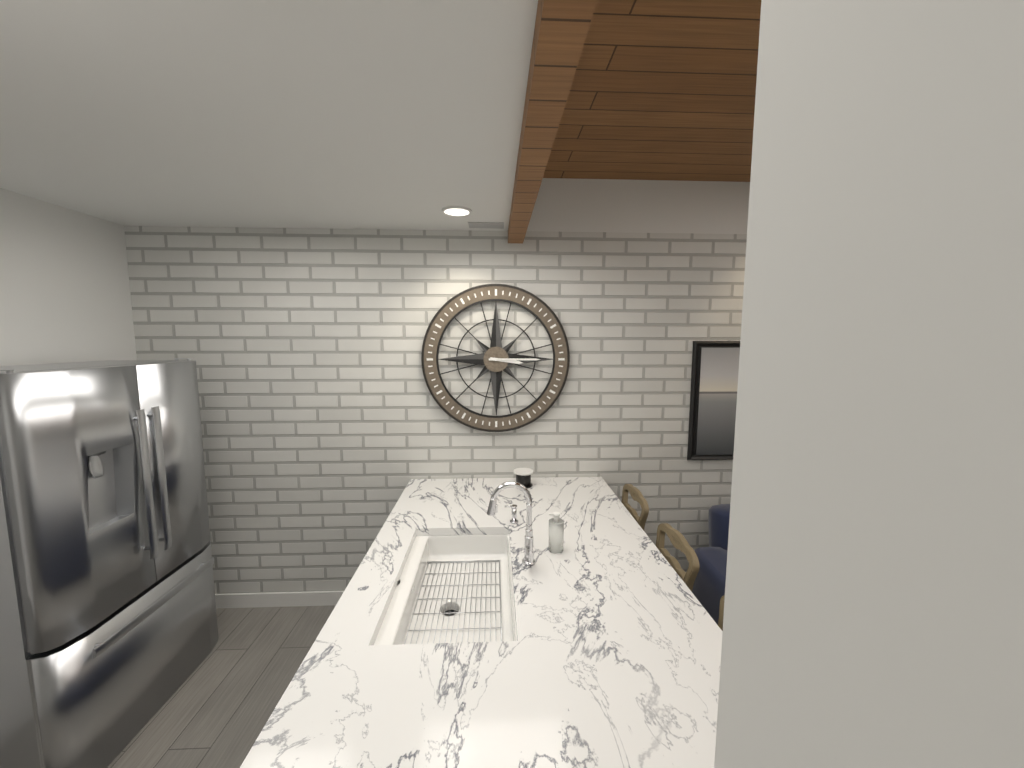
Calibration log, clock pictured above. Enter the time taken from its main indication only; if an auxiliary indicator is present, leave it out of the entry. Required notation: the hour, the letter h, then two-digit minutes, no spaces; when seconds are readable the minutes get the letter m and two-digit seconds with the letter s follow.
3h15
